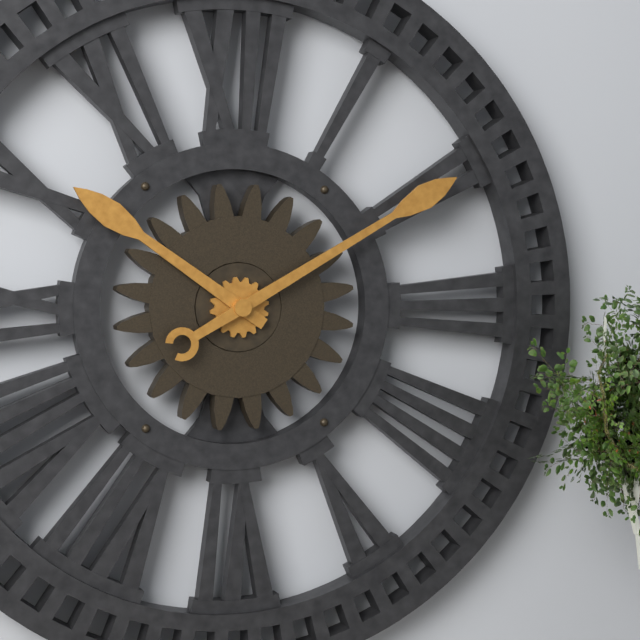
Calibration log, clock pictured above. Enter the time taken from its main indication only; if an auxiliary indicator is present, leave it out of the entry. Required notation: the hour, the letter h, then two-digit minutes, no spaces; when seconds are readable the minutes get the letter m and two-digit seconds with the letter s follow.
10h10
